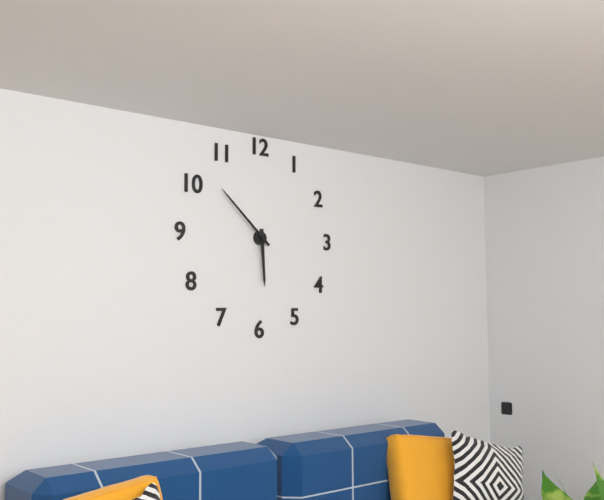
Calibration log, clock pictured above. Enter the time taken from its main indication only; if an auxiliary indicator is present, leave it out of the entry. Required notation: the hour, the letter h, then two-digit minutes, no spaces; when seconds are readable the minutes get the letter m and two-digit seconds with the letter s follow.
5h52
